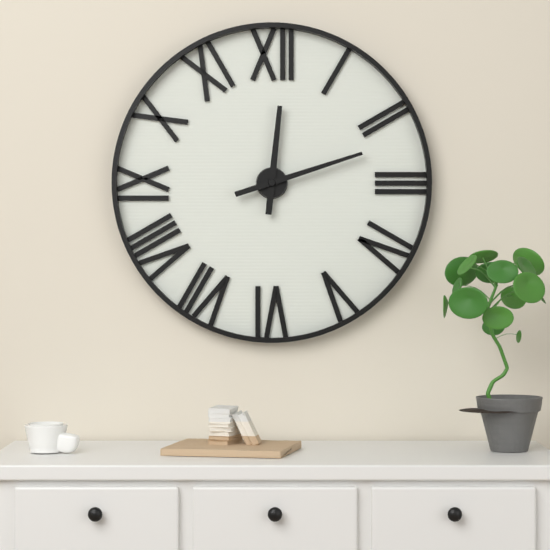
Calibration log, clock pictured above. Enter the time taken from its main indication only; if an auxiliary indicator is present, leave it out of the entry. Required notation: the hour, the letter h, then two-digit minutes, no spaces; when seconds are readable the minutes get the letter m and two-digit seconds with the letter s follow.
12h12
